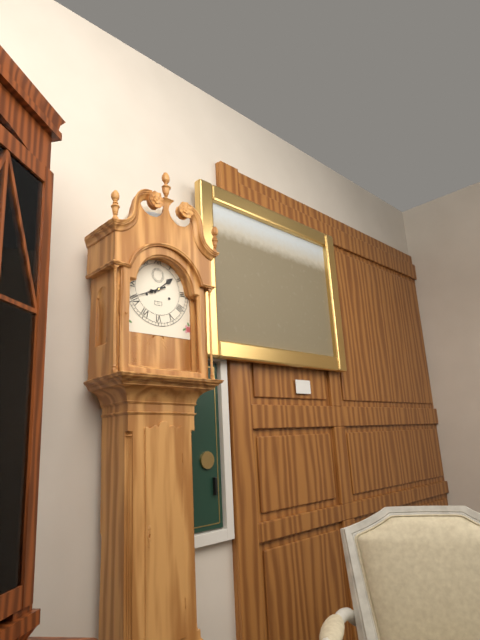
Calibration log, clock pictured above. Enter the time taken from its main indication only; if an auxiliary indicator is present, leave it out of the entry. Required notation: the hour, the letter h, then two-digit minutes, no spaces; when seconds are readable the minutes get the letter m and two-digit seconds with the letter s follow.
1h41
